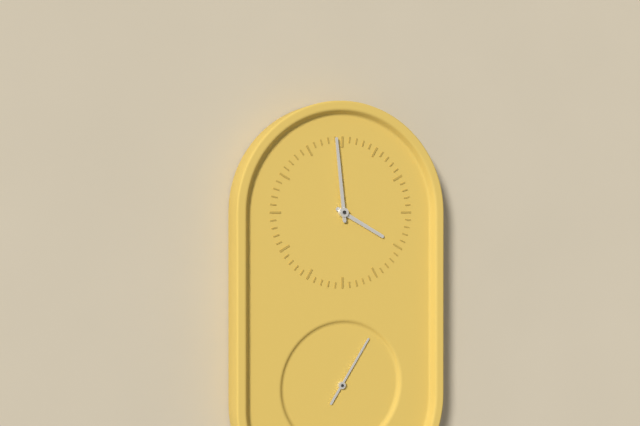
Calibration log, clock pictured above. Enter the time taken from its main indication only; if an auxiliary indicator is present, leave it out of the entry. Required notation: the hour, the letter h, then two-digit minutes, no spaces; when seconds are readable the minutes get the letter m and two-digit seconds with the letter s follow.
3h59
